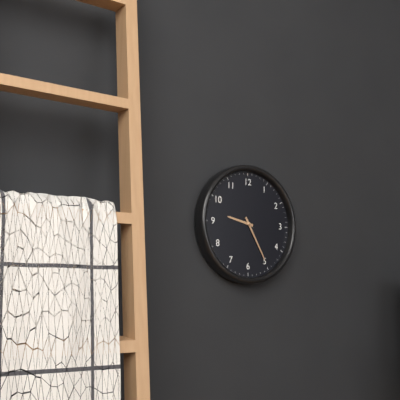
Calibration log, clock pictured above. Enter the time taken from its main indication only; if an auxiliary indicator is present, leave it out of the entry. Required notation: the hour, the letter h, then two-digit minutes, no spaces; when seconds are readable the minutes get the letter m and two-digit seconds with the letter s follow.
9h25
